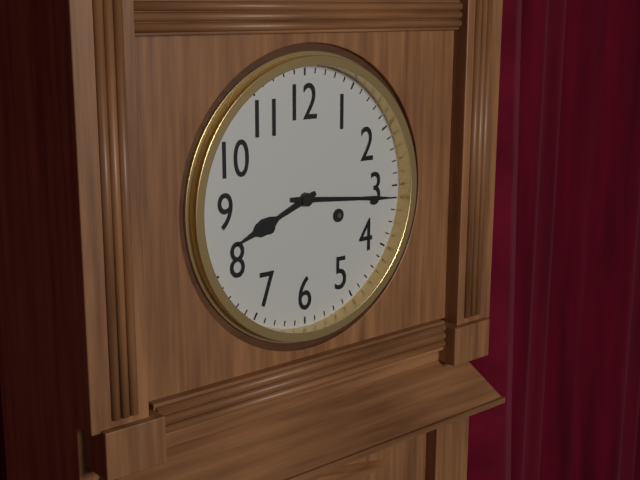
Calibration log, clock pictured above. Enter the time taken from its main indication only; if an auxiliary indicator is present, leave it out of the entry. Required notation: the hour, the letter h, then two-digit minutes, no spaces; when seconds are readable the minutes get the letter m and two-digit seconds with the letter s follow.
8h16
